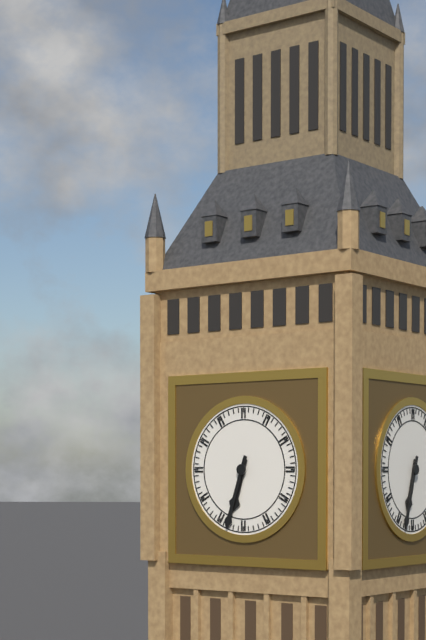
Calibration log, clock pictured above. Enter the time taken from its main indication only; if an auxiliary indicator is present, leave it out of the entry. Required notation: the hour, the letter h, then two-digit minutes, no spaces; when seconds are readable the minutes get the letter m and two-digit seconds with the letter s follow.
6h33
